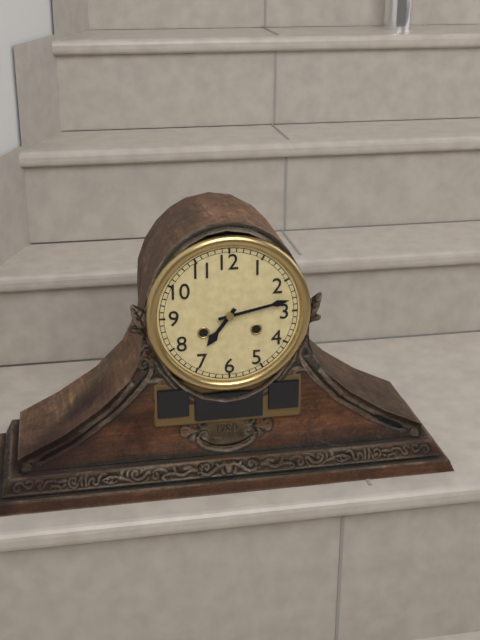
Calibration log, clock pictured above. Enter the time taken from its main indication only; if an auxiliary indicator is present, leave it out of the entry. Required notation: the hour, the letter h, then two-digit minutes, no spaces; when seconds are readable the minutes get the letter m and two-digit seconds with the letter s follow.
7h13
